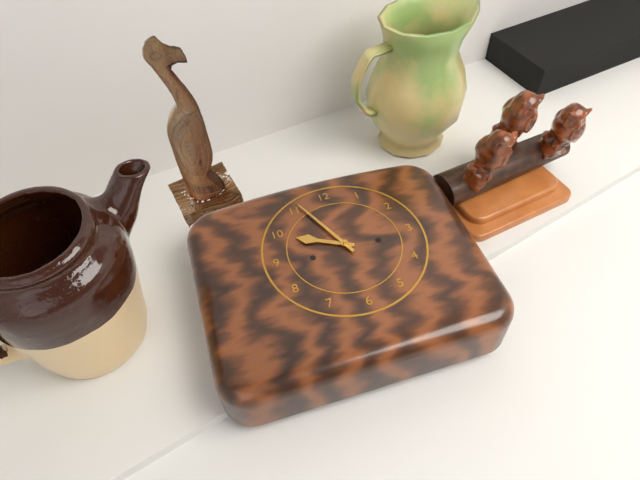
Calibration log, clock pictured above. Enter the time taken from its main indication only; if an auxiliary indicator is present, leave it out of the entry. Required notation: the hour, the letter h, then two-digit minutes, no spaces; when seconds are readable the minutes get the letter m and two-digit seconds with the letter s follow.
9h56
